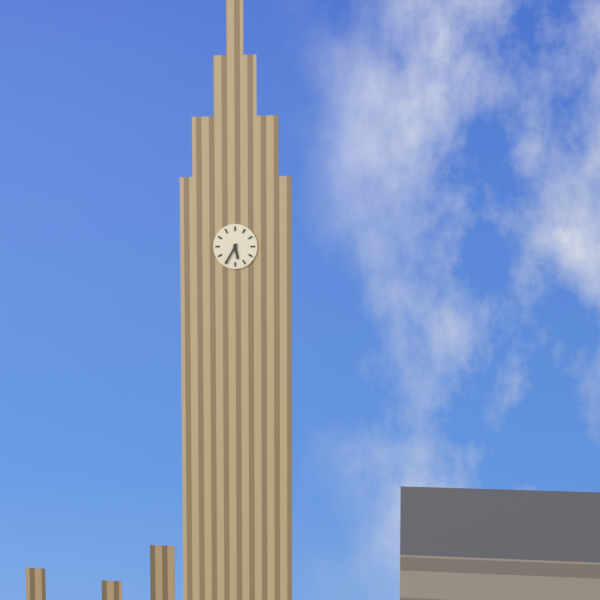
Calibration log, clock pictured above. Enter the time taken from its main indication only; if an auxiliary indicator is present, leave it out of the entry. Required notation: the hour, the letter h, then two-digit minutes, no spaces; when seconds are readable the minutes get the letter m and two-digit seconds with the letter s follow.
5h35
